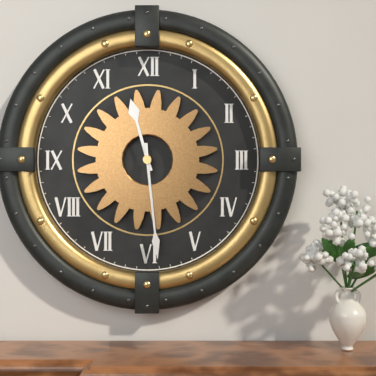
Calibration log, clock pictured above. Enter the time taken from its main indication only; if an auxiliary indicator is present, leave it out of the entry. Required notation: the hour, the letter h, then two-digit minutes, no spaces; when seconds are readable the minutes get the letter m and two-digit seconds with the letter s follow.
11h29
